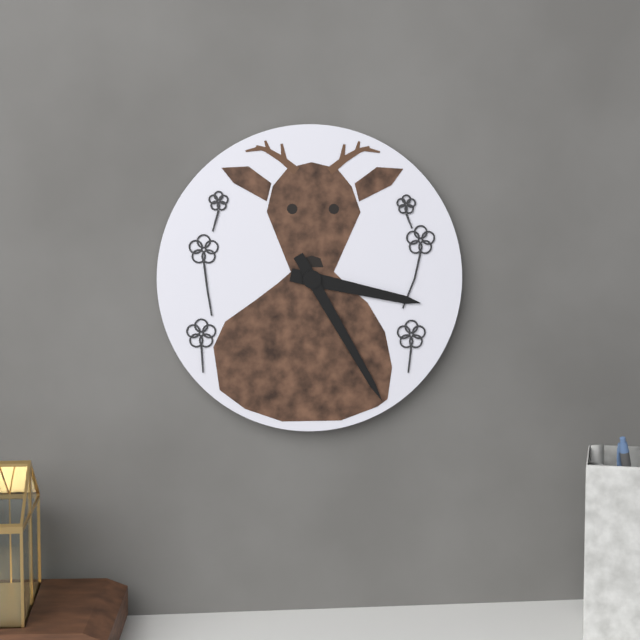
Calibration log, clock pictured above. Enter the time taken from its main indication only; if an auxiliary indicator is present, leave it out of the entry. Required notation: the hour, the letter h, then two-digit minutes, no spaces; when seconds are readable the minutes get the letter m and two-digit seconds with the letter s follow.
3h25
